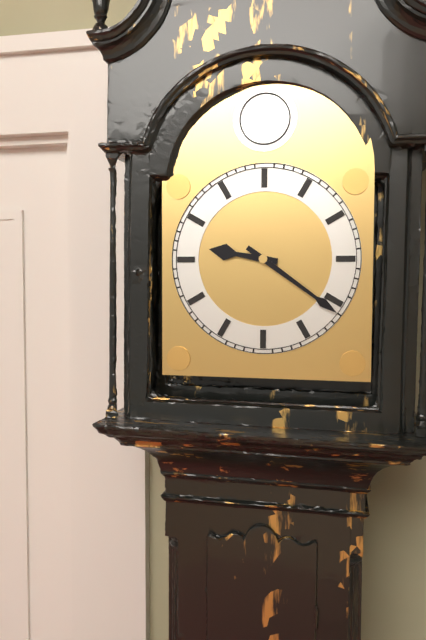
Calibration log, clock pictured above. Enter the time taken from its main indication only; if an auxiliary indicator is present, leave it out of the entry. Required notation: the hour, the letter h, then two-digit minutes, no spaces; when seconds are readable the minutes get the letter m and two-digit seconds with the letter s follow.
9h21
